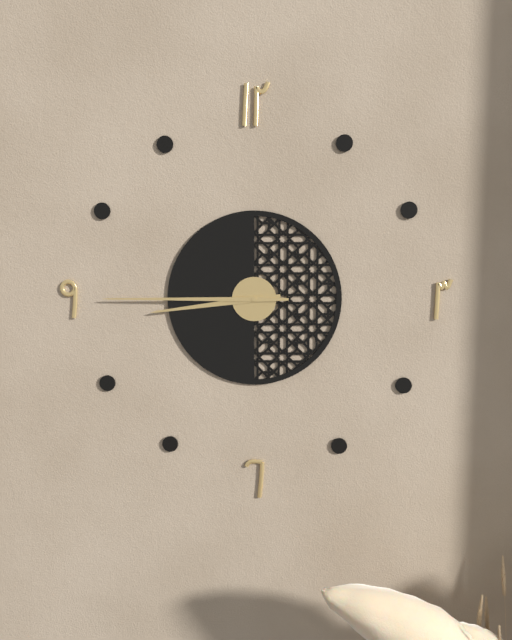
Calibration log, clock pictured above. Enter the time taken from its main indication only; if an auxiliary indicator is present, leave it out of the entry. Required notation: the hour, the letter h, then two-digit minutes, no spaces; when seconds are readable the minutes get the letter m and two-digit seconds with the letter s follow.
8h45
